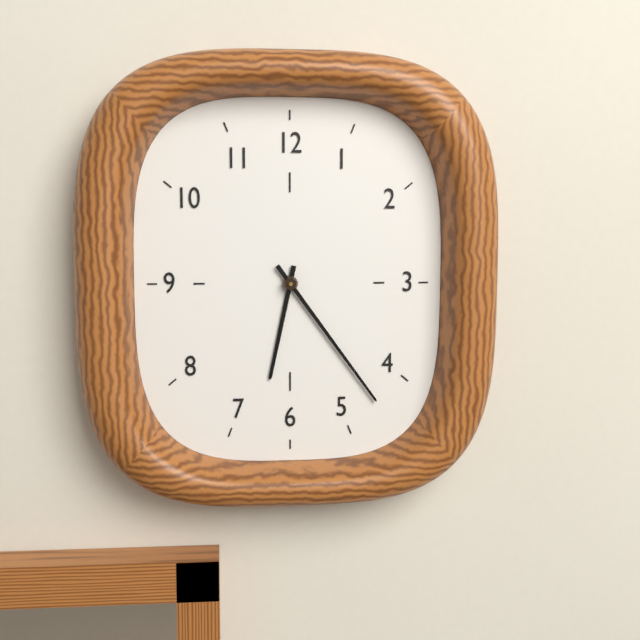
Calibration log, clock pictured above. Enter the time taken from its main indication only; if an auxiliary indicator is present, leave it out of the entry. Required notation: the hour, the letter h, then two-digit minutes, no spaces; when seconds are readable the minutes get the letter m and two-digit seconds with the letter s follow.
6h24
